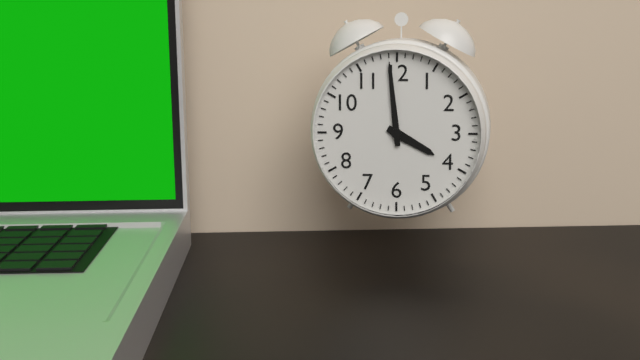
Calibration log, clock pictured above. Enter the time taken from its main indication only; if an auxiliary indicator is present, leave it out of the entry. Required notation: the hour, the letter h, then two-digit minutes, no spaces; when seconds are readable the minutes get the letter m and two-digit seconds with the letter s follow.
3h59
